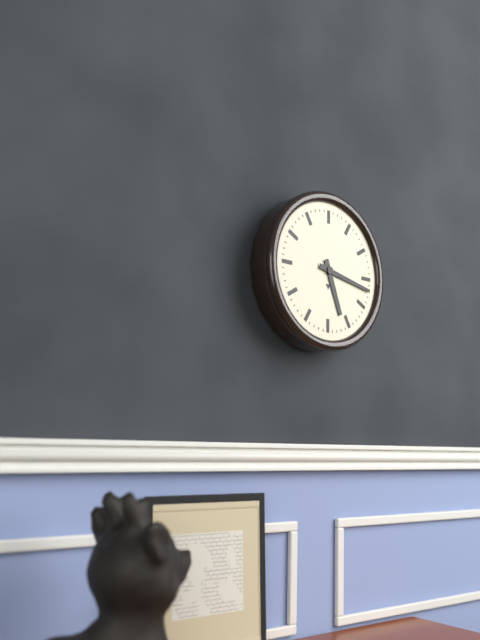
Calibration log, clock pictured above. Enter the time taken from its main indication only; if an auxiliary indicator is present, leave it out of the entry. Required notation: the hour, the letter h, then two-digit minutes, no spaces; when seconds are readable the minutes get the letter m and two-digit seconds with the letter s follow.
5h17
